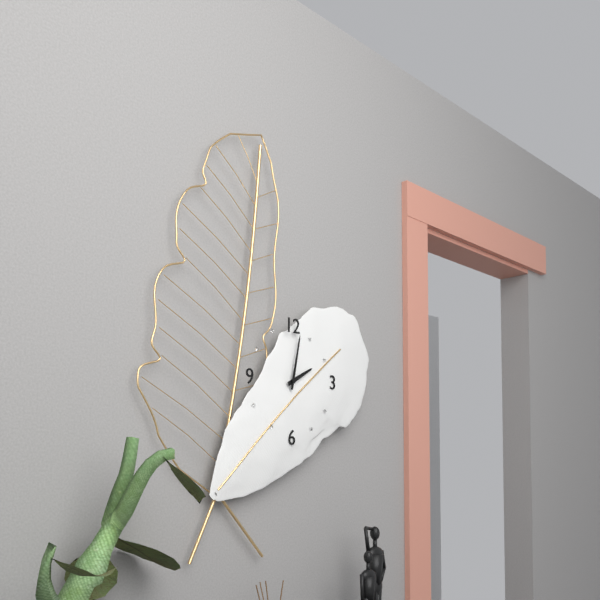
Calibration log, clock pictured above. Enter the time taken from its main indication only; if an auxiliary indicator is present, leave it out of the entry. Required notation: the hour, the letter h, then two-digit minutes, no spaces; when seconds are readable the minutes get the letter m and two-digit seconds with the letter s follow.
2h02
